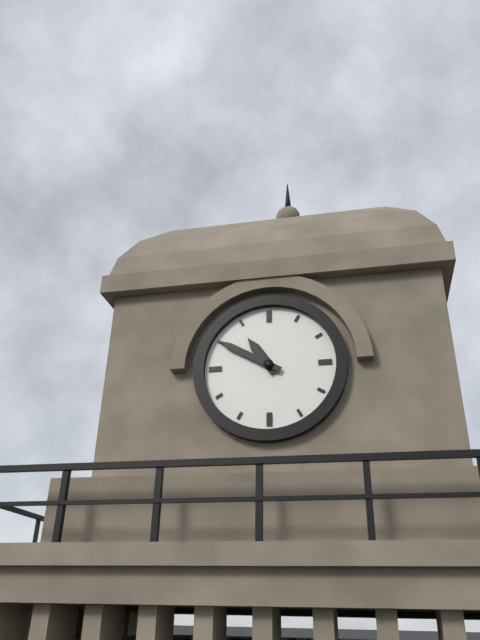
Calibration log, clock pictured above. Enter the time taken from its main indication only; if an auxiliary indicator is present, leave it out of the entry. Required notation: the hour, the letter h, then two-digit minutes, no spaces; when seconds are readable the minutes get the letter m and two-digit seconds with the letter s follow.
10h50
